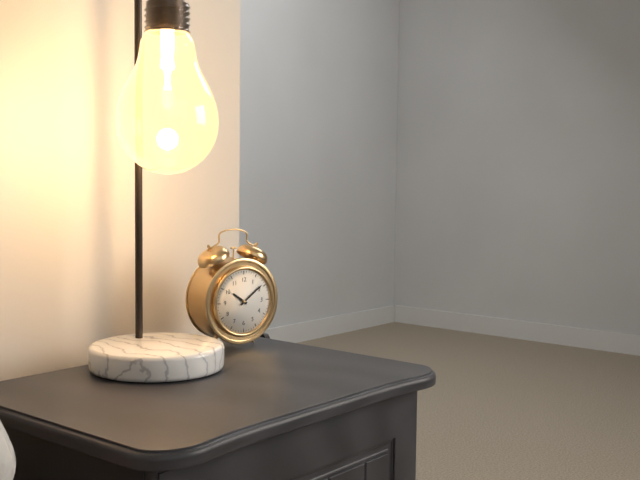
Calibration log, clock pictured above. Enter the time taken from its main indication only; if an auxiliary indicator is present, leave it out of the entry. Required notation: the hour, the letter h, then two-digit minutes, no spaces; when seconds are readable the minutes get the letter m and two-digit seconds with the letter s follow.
10h09
